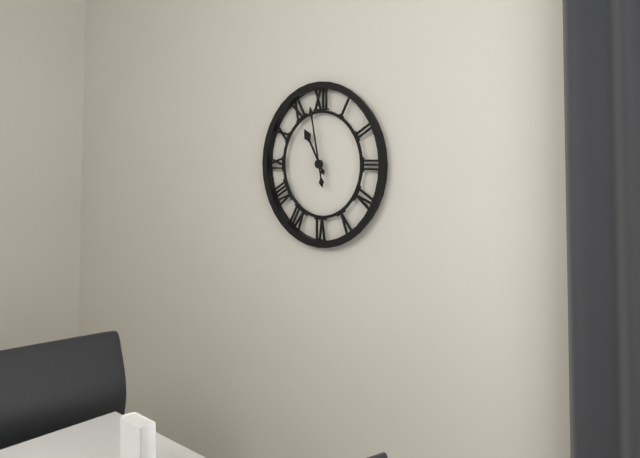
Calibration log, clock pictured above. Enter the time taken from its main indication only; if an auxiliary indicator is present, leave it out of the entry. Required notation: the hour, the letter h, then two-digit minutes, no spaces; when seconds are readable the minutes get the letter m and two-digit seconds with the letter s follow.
10h58
